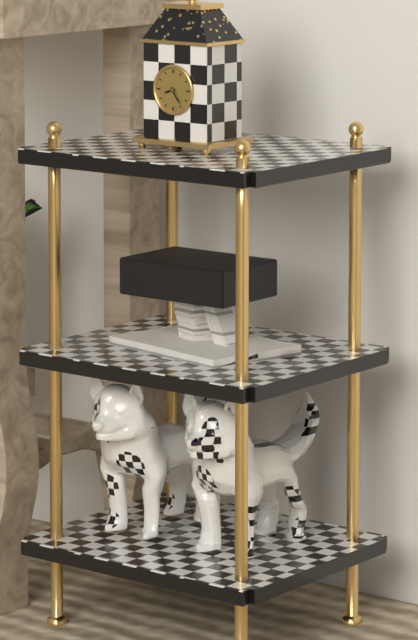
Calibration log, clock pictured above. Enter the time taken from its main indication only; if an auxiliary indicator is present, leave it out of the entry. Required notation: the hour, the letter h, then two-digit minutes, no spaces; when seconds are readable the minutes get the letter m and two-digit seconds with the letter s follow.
8h24
